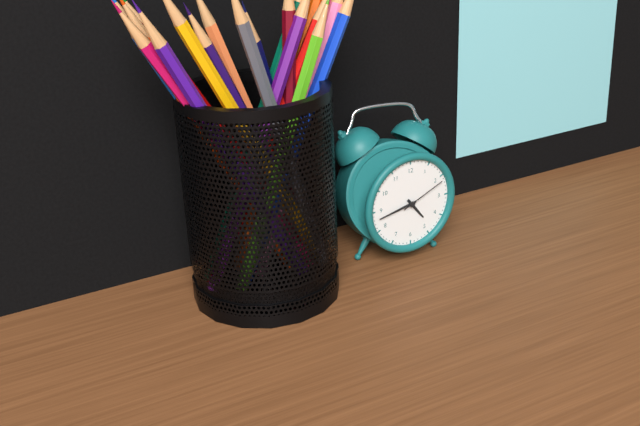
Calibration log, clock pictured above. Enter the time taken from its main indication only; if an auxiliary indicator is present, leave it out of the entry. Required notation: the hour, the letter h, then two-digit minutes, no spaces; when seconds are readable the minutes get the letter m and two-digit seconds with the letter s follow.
4h43
